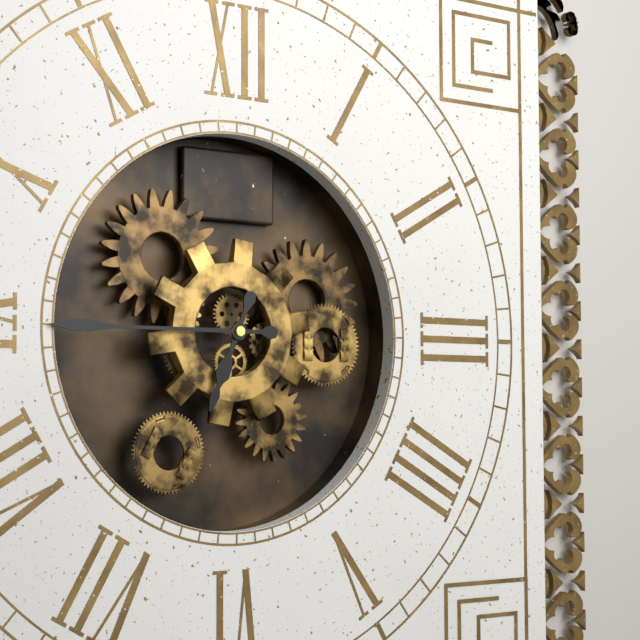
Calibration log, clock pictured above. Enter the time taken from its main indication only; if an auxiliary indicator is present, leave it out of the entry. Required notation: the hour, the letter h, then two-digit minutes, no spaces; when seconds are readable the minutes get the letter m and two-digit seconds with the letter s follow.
6h45
